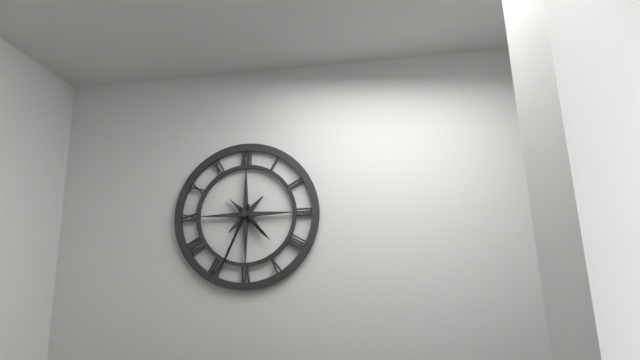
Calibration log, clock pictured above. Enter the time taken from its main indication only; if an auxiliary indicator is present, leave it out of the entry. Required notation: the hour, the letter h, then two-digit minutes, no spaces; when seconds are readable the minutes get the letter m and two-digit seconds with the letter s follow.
4h34
